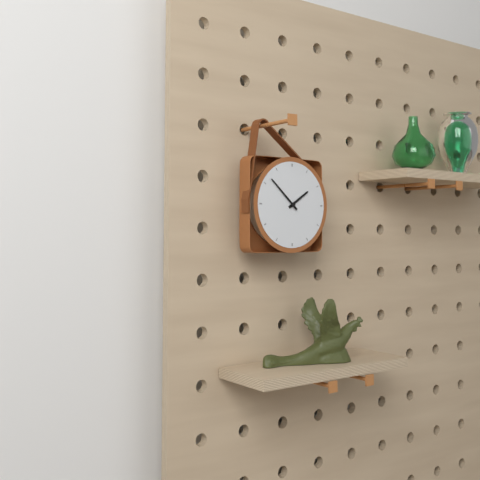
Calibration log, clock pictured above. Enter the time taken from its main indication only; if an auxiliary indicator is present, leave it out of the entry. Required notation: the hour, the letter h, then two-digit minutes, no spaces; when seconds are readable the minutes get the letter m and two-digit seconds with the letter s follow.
1h52
